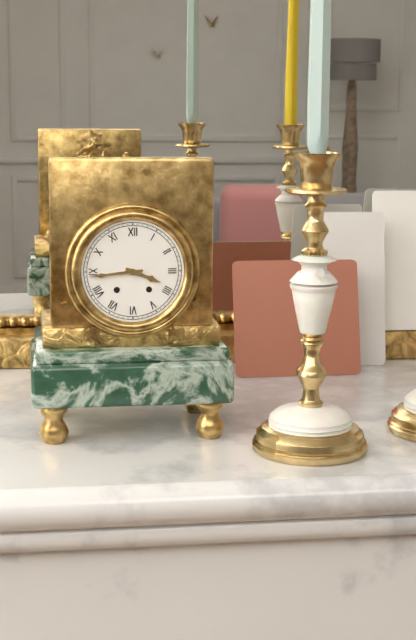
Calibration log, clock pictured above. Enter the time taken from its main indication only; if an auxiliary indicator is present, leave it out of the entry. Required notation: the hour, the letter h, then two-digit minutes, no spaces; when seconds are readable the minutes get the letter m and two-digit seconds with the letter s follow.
3h44
